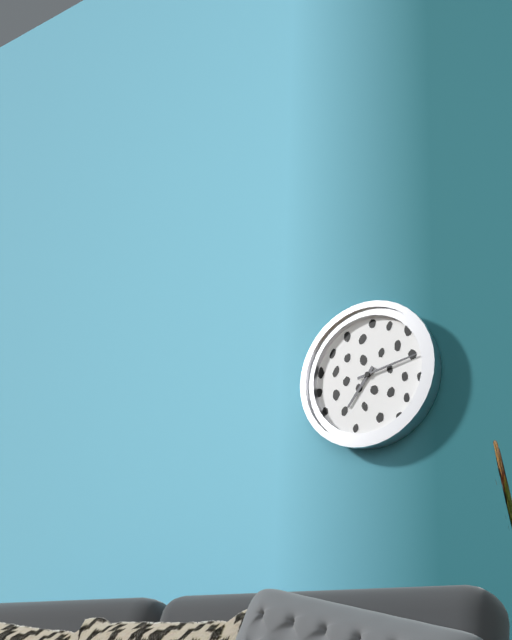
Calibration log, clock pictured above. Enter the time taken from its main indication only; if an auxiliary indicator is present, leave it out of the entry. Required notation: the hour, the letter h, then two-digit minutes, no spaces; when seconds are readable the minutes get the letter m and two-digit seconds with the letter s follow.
7h13
